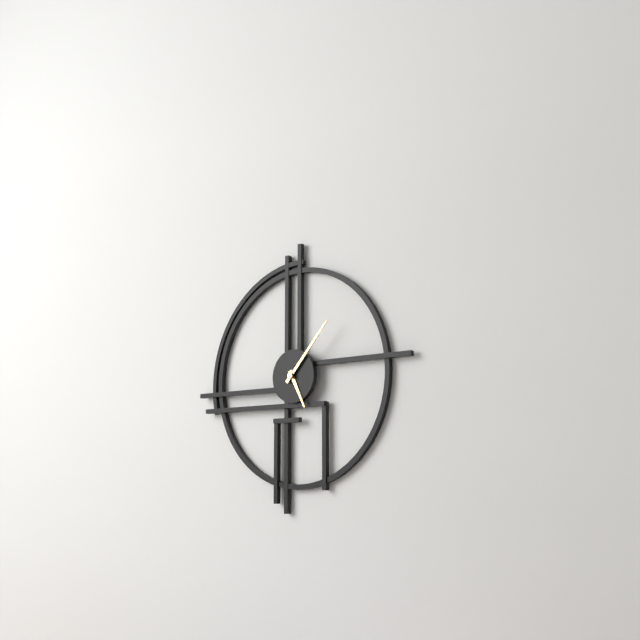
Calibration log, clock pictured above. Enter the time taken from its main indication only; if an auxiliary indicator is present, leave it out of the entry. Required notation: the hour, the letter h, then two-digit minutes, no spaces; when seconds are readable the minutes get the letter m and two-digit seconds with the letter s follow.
5h07
